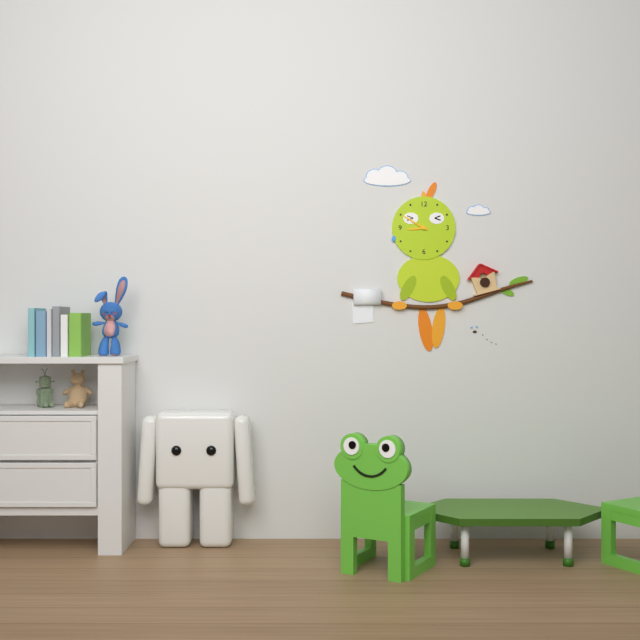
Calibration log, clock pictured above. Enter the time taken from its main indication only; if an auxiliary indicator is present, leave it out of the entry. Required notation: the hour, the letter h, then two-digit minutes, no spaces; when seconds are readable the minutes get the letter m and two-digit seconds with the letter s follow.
8h50
